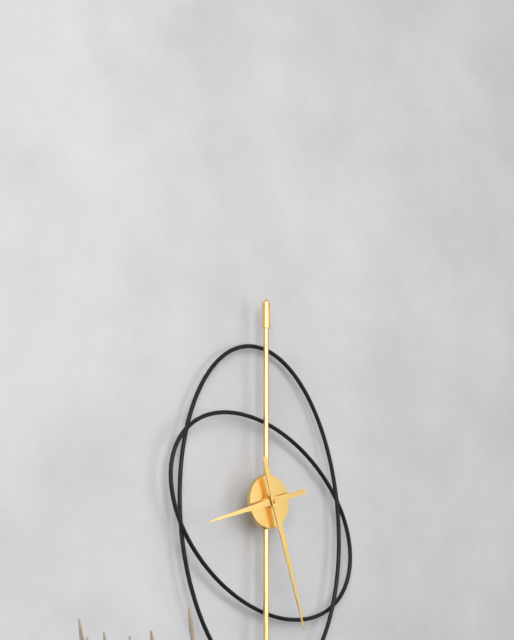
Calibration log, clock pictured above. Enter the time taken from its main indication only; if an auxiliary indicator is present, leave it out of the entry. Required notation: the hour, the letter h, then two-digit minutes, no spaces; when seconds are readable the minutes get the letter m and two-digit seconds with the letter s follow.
8h27
